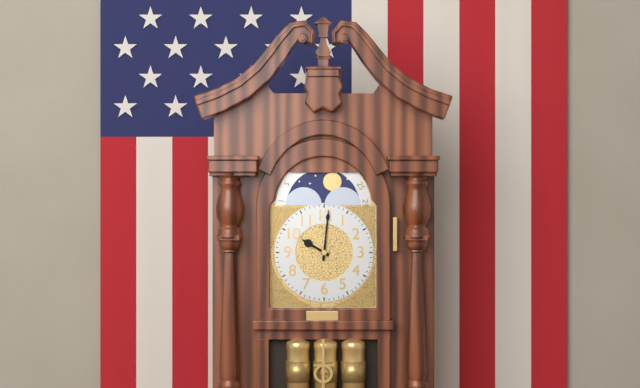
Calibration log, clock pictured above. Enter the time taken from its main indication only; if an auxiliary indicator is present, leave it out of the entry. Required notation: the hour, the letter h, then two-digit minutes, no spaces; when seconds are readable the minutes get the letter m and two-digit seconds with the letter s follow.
10h01
